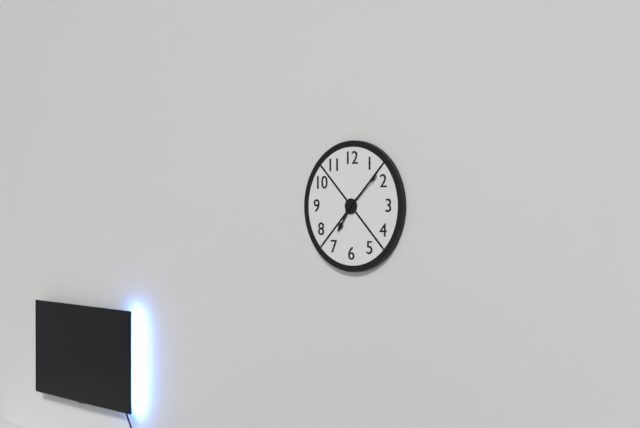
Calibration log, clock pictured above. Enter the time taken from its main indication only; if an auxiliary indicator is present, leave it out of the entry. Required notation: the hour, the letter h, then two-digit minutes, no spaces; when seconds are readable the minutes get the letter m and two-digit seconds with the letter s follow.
7h08
